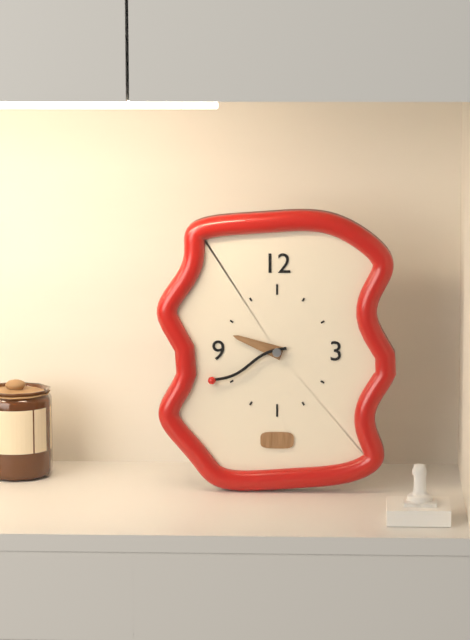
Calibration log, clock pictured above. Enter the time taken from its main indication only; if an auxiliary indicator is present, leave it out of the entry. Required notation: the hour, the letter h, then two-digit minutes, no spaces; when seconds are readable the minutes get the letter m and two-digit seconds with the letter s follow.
9h41
